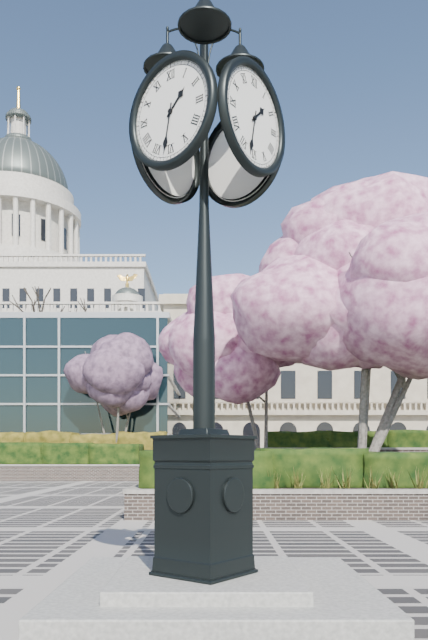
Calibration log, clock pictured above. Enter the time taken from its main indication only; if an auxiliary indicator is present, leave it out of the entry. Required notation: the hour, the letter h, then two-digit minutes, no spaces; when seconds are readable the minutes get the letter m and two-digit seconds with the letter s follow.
1h32
